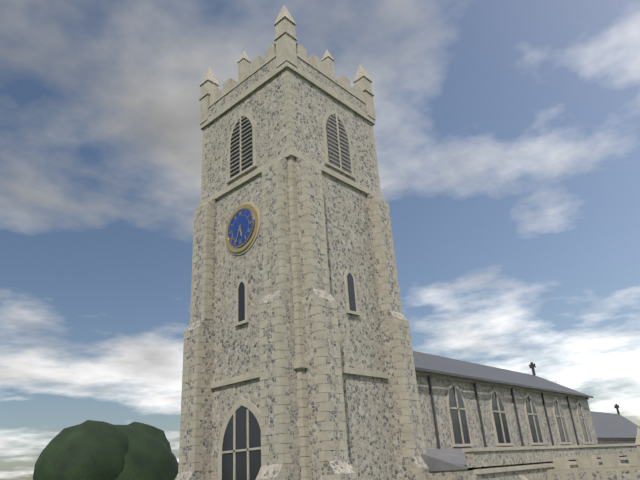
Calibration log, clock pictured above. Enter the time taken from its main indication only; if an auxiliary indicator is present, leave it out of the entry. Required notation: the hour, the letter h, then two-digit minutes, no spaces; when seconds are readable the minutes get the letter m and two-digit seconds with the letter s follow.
5h34
